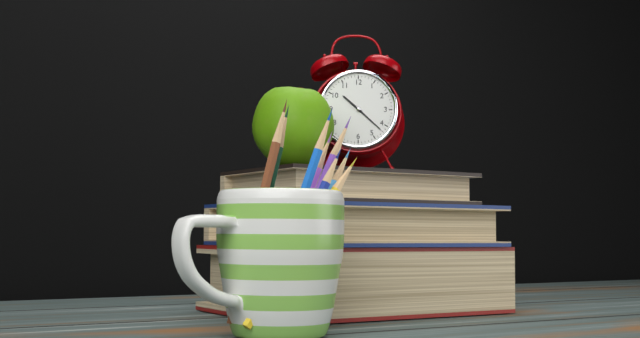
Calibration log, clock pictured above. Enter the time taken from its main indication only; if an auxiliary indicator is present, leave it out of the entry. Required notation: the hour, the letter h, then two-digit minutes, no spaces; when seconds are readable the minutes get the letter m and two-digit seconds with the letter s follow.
10h22
